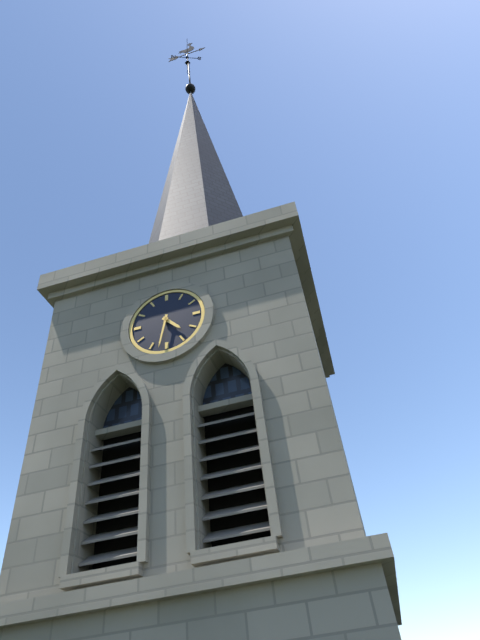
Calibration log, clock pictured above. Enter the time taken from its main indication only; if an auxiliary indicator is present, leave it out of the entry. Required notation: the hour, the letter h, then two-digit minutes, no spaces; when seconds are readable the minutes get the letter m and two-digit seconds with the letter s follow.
4h32
